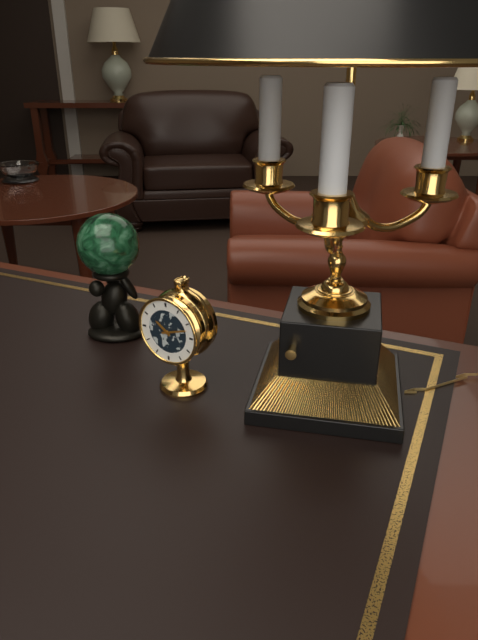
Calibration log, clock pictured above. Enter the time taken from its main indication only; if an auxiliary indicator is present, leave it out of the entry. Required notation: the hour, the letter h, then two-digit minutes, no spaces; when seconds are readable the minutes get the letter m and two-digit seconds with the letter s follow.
10h12
